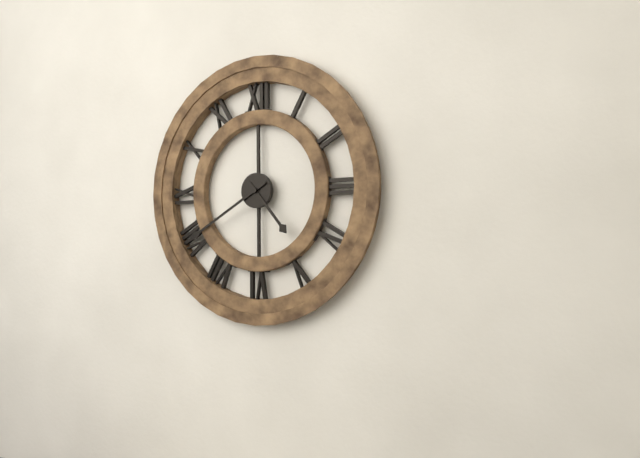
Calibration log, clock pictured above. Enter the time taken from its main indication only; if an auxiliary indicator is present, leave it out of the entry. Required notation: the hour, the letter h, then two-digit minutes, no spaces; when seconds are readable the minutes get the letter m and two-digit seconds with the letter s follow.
4h40
